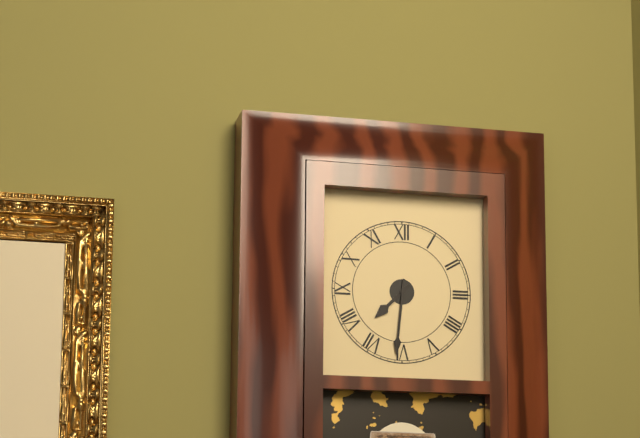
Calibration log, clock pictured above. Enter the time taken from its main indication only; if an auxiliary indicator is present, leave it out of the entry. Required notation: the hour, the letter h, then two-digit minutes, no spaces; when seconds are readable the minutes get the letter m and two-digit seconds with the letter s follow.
7h31
